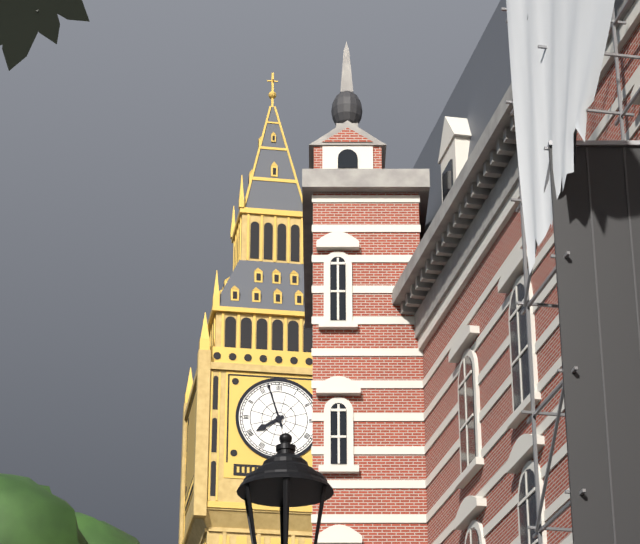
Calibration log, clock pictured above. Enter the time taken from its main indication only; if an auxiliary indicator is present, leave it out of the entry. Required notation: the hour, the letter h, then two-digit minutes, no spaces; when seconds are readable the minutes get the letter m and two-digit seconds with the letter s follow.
7h57
